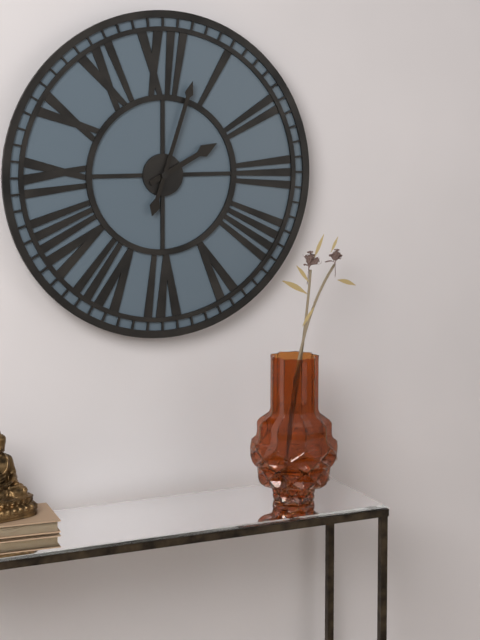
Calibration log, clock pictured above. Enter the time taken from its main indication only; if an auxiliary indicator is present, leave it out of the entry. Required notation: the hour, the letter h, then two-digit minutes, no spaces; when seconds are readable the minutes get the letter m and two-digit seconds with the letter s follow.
2h03
